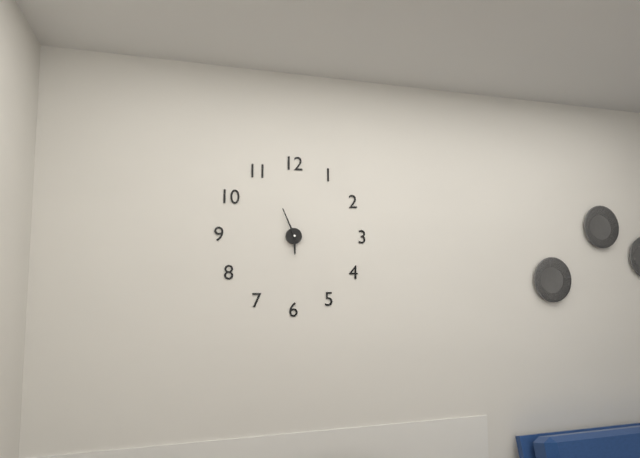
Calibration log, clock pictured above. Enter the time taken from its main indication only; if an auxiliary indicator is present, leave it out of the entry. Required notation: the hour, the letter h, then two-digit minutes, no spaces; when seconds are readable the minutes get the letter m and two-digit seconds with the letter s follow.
5h56
